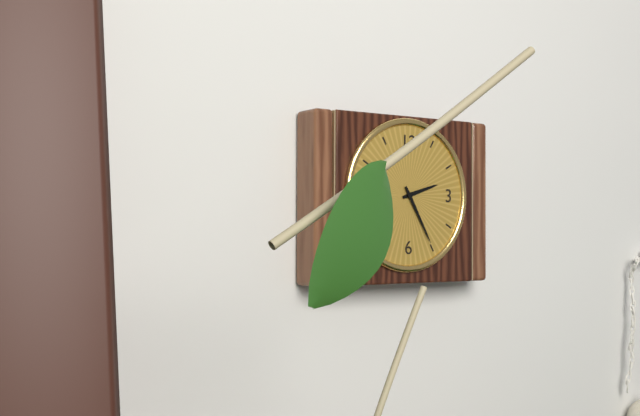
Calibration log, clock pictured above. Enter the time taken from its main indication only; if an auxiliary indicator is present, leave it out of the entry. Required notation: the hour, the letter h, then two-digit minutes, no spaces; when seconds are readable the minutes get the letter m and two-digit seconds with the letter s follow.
2h25
